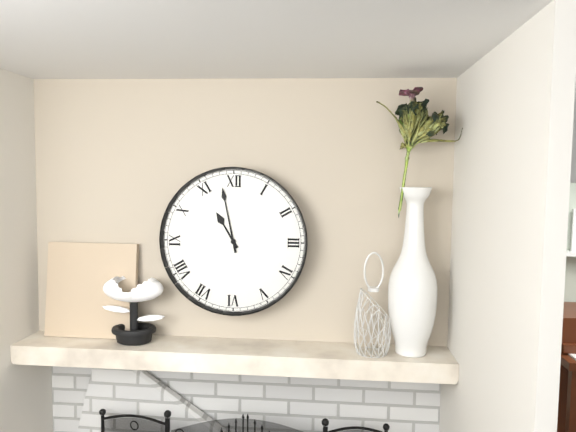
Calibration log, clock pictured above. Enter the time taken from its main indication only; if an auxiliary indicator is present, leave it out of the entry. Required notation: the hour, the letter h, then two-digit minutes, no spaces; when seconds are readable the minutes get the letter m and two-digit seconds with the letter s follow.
10h58
